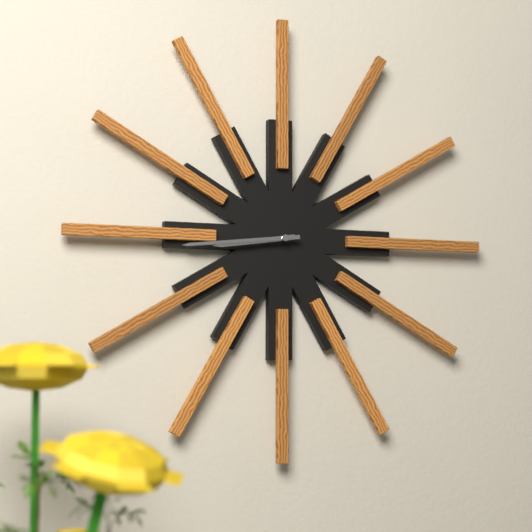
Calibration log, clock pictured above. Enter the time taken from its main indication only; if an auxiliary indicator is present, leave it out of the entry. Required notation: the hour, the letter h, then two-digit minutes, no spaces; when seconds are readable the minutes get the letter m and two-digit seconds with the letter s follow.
8h44
